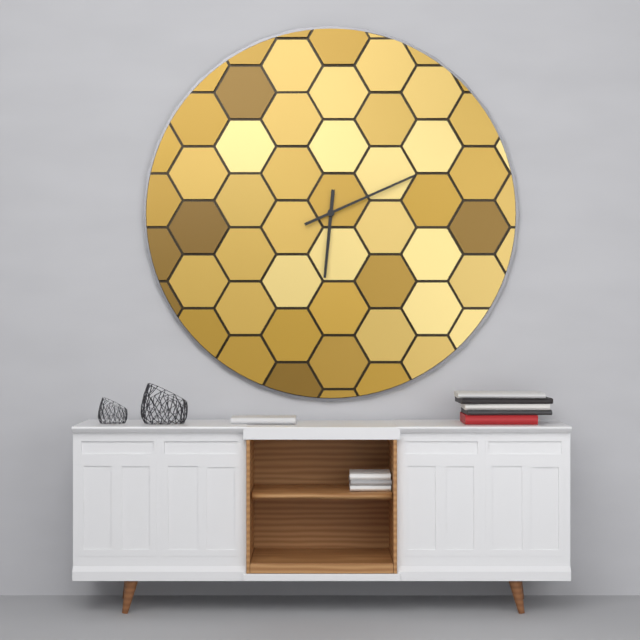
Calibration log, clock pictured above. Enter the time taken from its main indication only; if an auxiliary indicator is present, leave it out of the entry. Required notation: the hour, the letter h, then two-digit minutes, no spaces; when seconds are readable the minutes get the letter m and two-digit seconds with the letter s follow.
6h11
